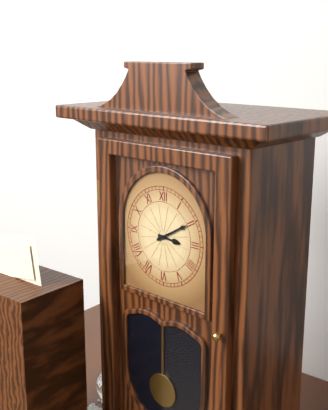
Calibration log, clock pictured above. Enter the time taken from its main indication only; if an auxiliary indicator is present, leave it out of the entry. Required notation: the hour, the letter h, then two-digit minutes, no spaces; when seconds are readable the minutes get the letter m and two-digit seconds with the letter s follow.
3h10
